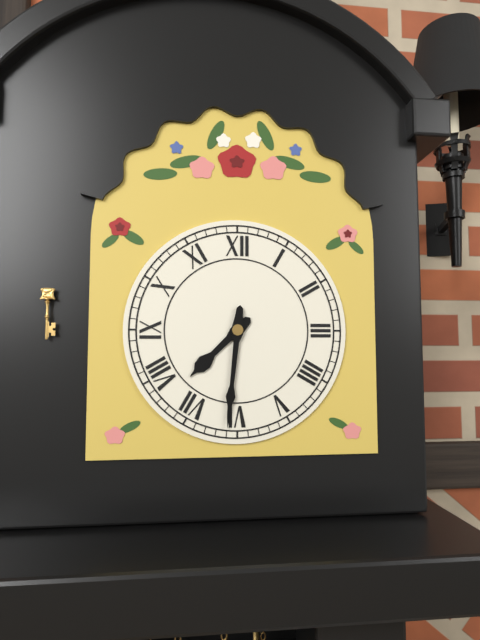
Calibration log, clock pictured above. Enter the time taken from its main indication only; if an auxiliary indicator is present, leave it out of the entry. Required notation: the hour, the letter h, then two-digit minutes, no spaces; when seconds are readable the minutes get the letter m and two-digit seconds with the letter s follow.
7h31
